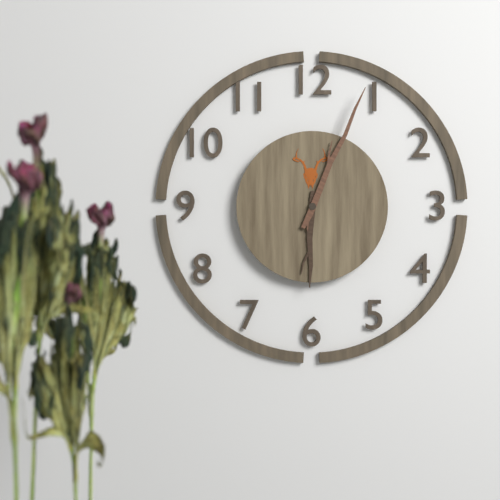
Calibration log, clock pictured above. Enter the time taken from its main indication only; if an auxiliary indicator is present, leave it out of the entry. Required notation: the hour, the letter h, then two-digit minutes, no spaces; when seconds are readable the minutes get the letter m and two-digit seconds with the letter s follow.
6h04
